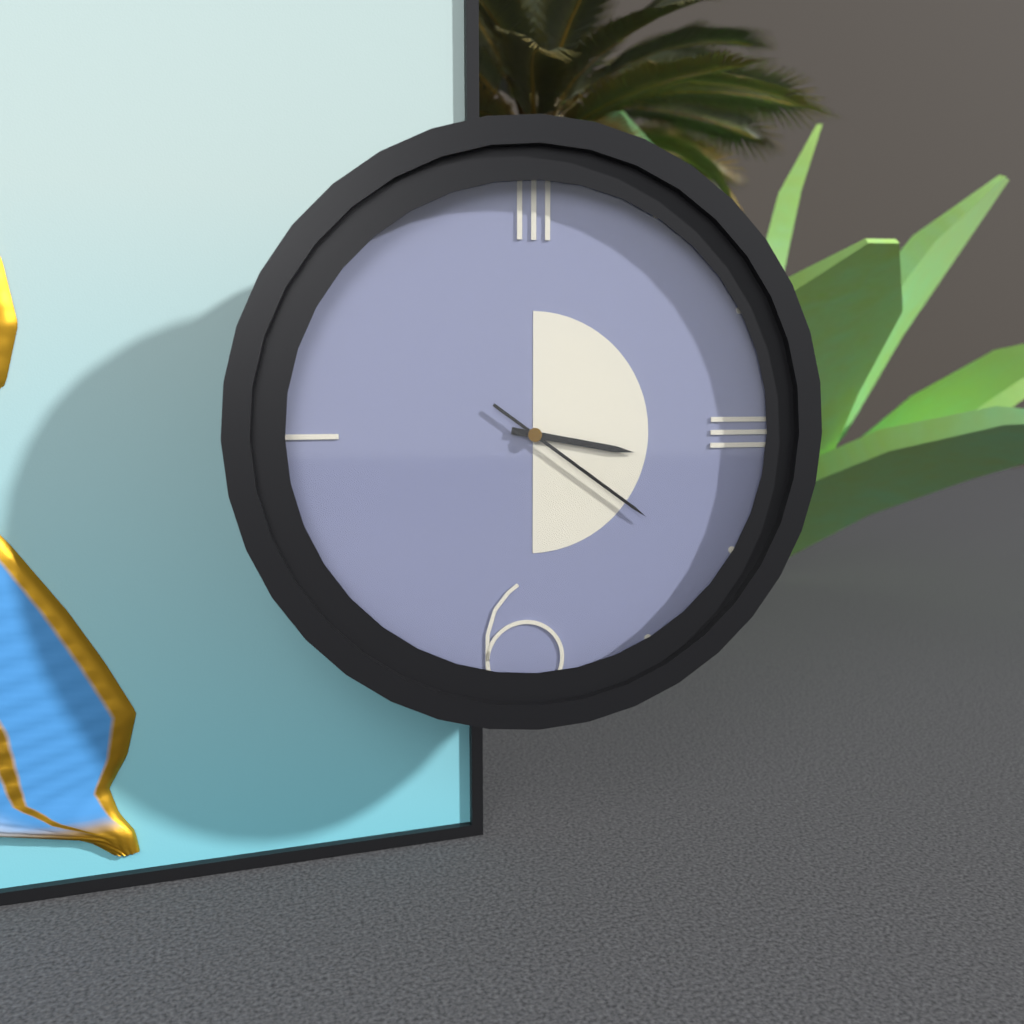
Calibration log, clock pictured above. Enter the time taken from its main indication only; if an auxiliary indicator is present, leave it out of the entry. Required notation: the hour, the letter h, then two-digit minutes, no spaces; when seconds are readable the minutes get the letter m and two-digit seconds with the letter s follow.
3h21
